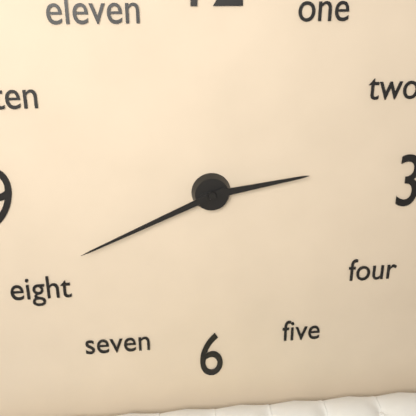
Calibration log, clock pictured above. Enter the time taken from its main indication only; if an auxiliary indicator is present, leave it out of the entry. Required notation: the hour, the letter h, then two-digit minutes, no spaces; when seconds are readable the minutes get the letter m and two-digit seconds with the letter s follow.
2h41
